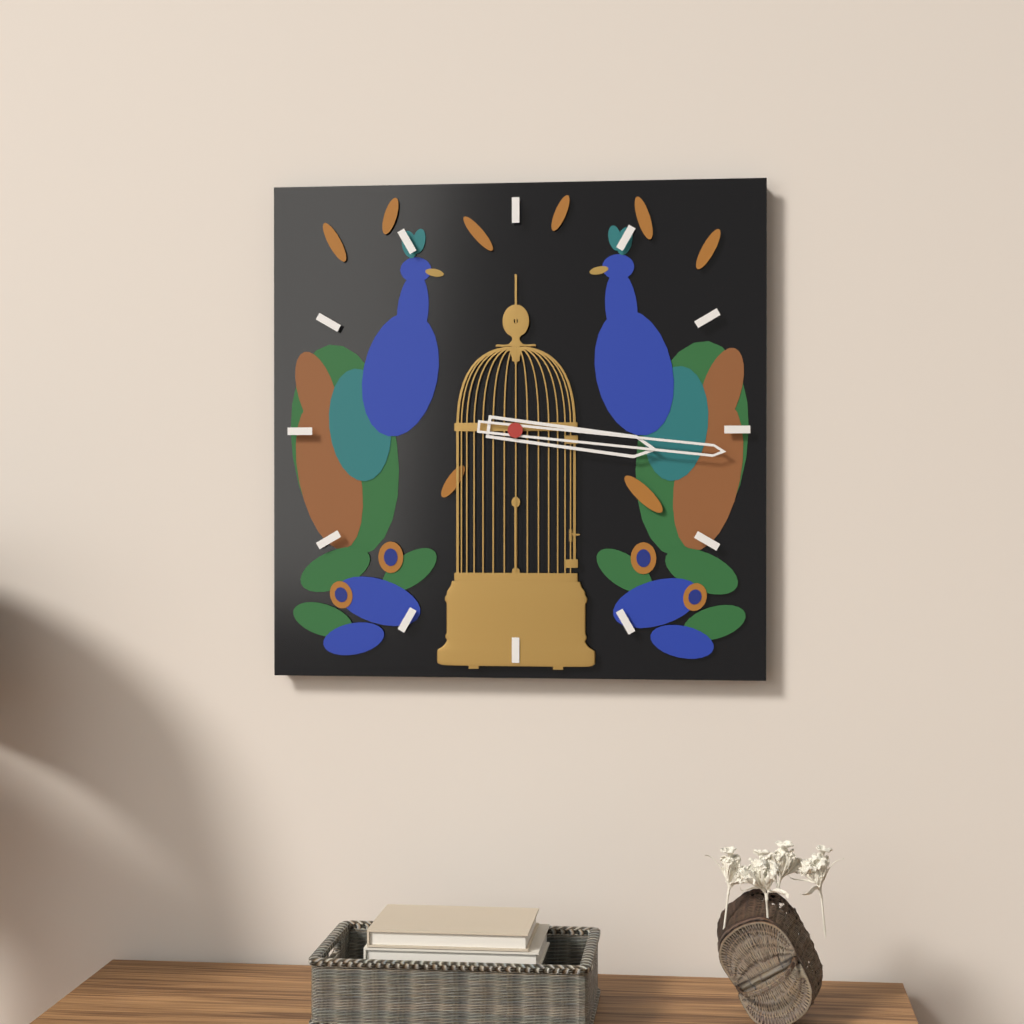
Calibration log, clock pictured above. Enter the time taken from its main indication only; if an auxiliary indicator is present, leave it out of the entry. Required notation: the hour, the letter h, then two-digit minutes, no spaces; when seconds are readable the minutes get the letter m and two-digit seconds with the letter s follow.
3h16
